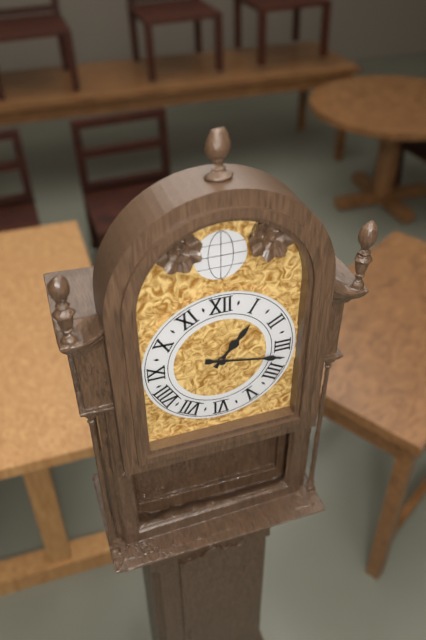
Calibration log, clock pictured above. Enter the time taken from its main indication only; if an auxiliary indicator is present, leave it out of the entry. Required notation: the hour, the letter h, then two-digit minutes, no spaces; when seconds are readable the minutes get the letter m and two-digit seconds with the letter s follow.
1h17
